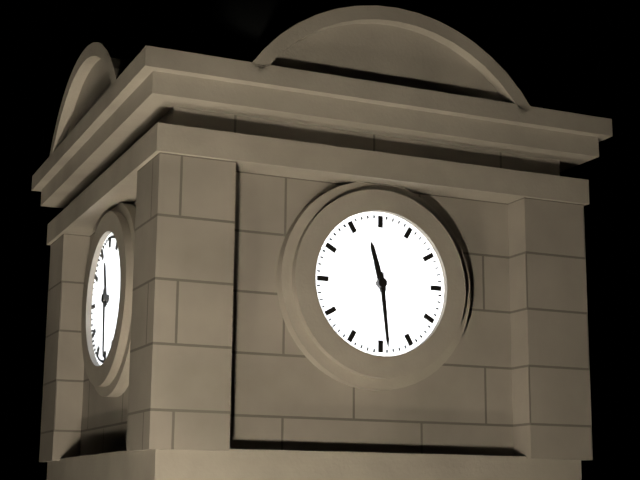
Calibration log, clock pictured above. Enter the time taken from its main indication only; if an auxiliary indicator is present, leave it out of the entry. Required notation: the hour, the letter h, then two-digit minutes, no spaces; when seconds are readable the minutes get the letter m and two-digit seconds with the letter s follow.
11h29
